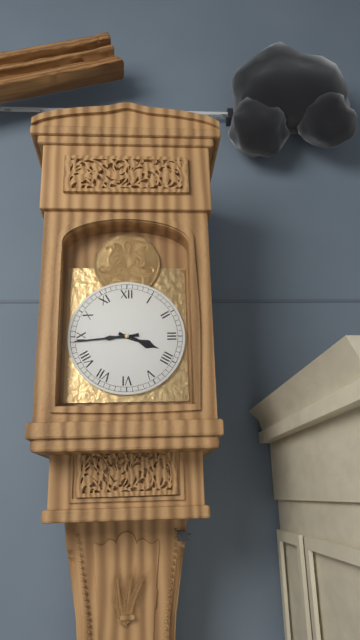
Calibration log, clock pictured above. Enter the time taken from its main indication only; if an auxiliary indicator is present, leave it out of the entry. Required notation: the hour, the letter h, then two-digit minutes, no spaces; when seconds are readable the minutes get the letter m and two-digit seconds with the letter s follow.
3h44
